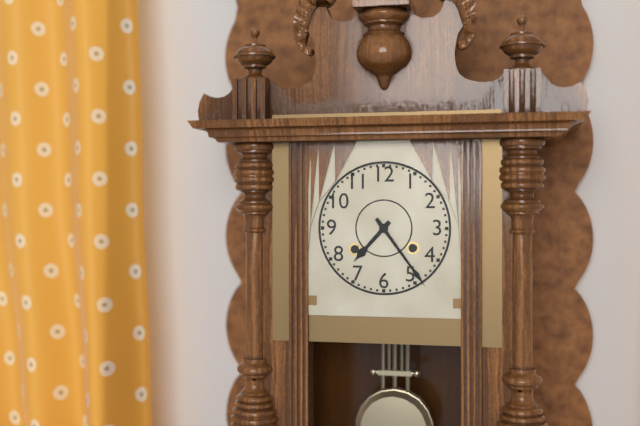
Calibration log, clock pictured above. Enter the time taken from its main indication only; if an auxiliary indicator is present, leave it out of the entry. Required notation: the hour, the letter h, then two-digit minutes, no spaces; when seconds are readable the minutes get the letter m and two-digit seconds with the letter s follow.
7h24
